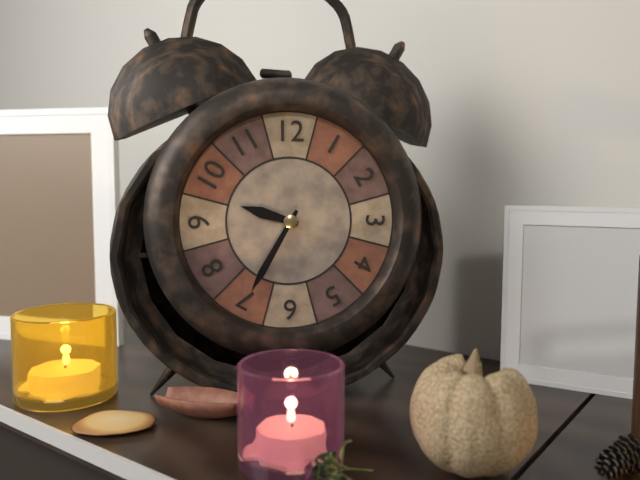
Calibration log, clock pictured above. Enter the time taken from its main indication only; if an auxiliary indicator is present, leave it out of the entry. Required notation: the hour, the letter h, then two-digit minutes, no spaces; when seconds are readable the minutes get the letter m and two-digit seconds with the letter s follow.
9h35
